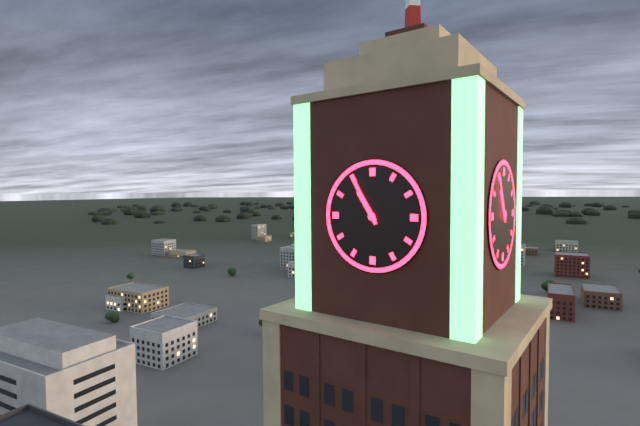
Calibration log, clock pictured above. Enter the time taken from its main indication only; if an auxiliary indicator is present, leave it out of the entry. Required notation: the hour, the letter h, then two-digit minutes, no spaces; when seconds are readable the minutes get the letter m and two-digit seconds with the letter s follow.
10h55
